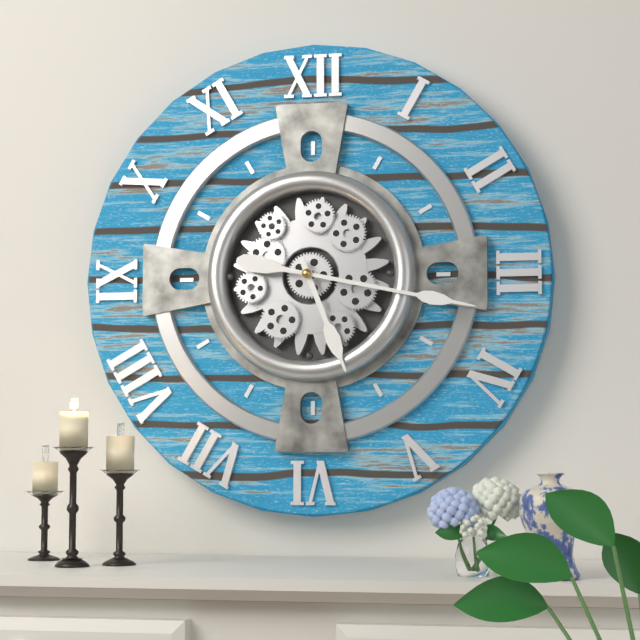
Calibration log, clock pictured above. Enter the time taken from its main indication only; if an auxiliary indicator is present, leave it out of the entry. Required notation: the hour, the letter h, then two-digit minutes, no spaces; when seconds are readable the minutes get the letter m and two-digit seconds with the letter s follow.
5h17
